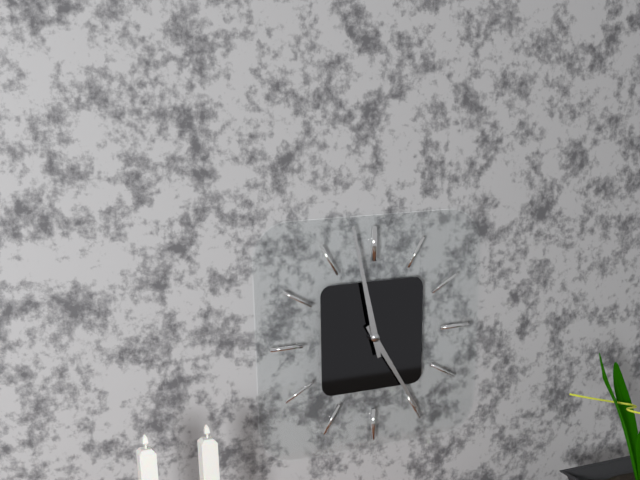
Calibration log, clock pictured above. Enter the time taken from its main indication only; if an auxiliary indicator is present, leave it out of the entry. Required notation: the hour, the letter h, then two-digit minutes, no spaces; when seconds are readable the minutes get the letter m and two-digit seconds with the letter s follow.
4h58
